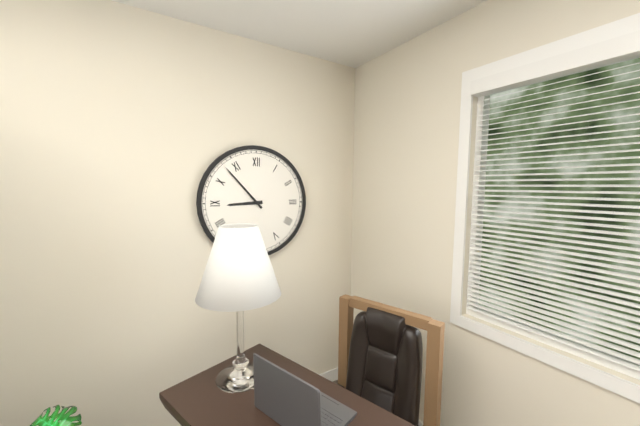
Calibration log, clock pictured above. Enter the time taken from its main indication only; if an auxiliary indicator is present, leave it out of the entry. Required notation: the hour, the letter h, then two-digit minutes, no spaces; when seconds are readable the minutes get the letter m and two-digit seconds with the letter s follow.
8h53
